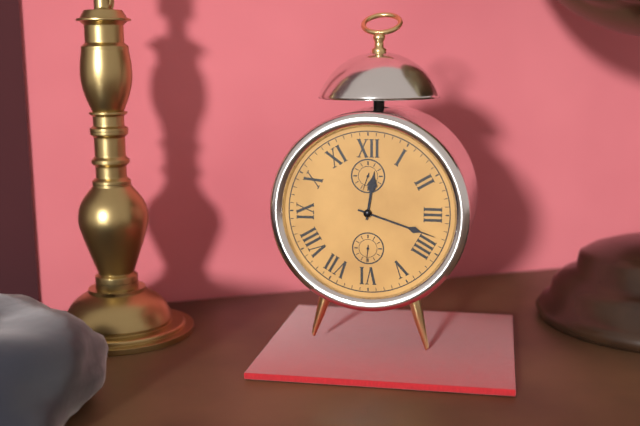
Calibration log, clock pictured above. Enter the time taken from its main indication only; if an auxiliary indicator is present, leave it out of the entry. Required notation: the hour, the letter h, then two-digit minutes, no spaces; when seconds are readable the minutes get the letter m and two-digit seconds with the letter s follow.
12h18
